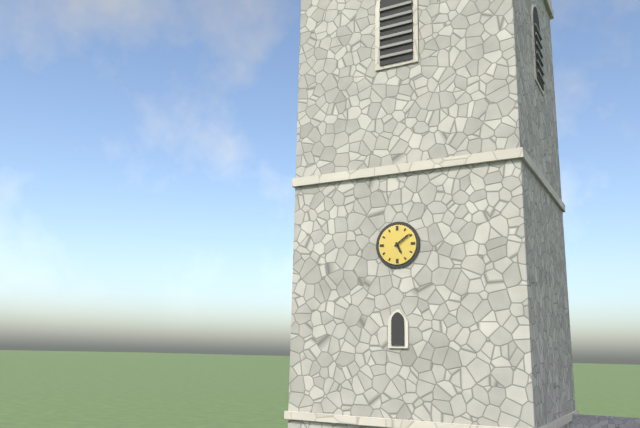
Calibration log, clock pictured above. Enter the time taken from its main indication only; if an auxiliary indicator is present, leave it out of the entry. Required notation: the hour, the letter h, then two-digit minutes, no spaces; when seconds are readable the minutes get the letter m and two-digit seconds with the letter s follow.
5h09
